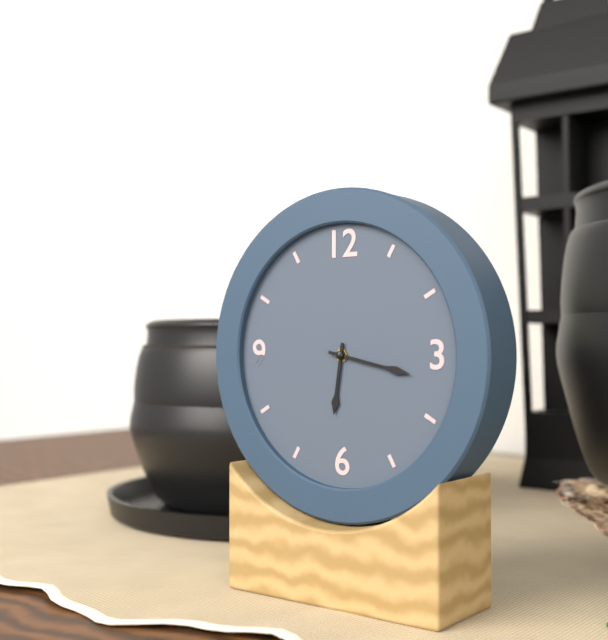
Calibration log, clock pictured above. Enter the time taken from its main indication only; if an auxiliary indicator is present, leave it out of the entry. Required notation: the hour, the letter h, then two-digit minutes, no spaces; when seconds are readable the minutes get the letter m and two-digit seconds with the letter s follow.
6h17
